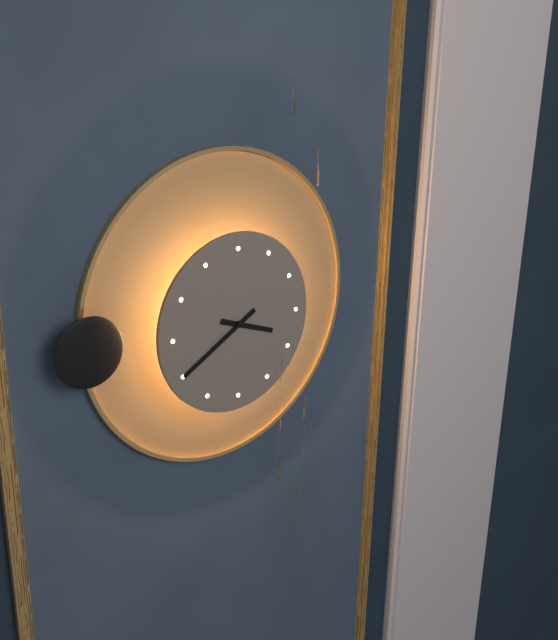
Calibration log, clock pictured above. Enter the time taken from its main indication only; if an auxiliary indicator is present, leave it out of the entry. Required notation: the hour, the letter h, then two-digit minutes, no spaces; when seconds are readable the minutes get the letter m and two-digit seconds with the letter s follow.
3h40
